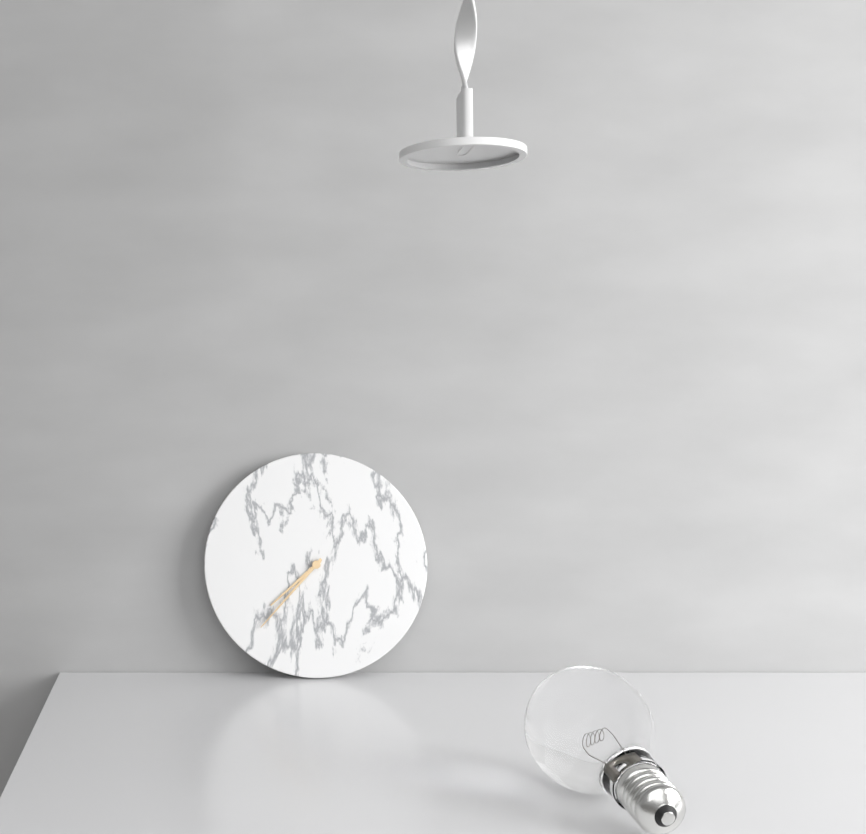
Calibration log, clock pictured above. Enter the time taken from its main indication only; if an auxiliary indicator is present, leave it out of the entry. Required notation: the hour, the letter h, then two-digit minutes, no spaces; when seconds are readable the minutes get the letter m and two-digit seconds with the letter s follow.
7h37
